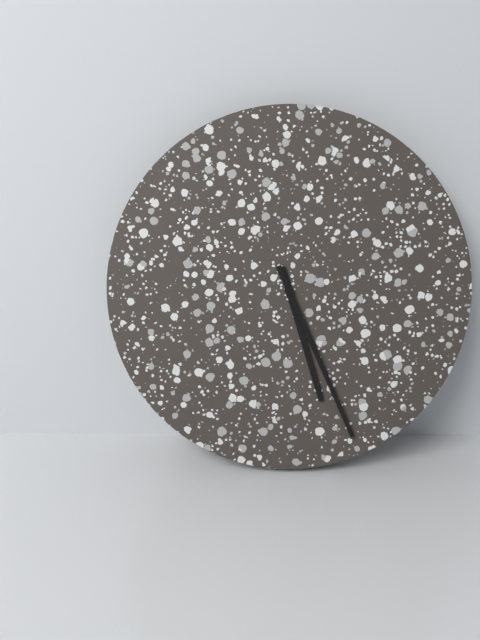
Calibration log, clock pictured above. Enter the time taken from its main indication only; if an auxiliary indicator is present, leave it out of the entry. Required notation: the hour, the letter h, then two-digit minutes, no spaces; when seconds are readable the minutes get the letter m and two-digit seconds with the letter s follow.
5h26
